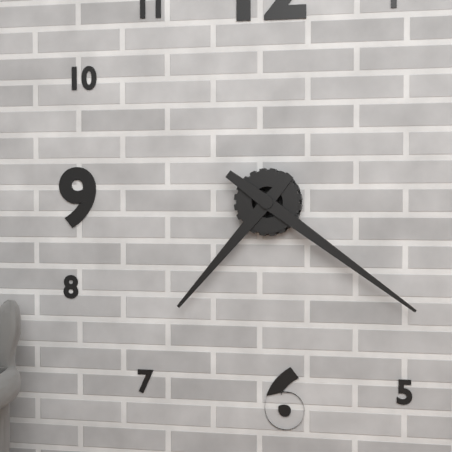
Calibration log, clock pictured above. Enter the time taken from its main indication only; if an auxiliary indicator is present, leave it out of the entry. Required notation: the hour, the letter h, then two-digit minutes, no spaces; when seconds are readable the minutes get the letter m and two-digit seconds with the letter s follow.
7h21
